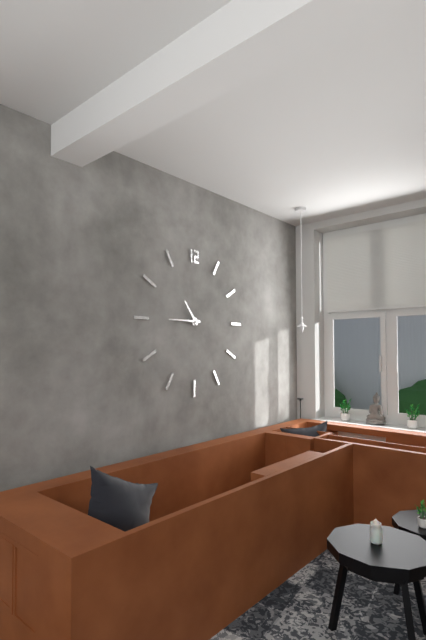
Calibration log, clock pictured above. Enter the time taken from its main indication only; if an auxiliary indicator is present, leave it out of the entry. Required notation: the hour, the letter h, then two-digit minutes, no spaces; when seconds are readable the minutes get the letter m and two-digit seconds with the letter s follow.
10h45
